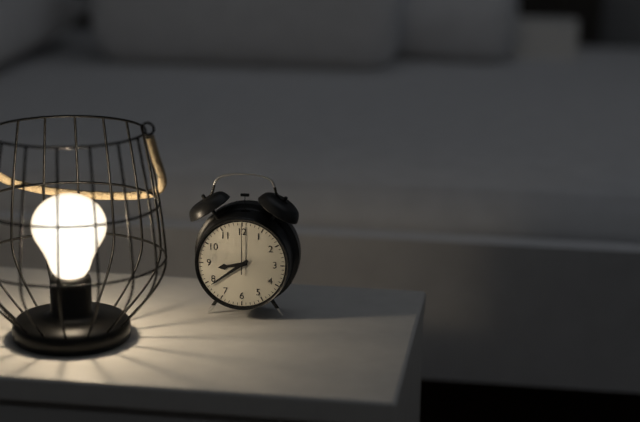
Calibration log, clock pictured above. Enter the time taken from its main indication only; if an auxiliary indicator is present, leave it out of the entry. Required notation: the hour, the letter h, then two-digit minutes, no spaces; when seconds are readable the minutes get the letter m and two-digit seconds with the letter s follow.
8h39
